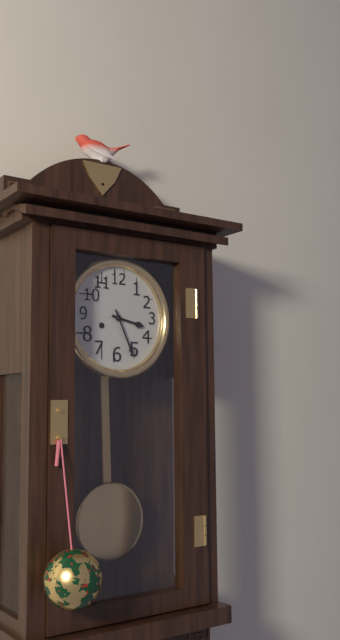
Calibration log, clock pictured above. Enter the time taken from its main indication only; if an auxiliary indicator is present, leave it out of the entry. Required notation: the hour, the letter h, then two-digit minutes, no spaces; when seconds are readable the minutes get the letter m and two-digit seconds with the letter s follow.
3h26
